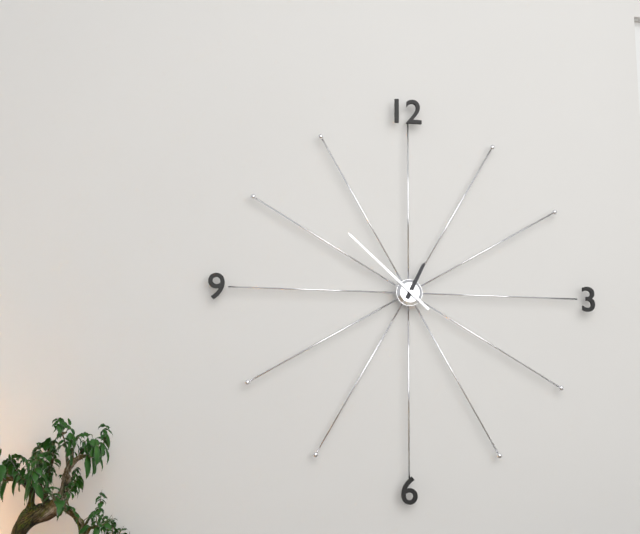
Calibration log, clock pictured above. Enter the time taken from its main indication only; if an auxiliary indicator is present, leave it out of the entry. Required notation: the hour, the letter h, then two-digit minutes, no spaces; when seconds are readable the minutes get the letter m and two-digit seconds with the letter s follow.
12h52
